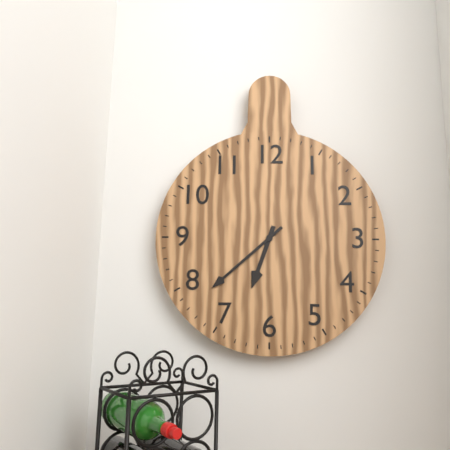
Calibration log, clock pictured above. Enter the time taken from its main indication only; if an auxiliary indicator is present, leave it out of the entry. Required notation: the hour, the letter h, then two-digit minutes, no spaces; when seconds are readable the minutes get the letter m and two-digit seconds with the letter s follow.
6h38
